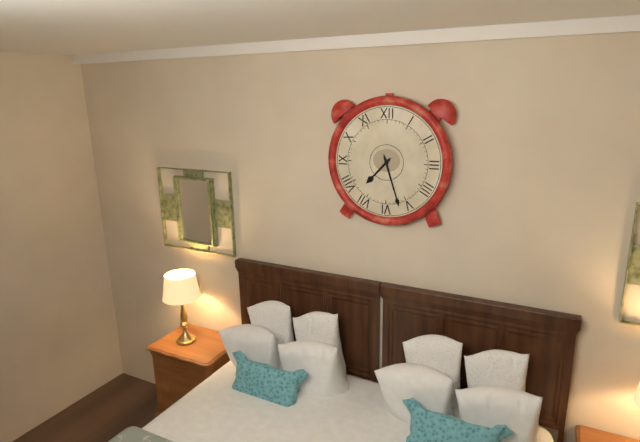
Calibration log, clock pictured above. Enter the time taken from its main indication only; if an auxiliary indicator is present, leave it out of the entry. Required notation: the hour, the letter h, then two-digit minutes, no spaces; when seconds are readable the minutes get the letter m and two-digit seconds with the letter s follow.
7h27
